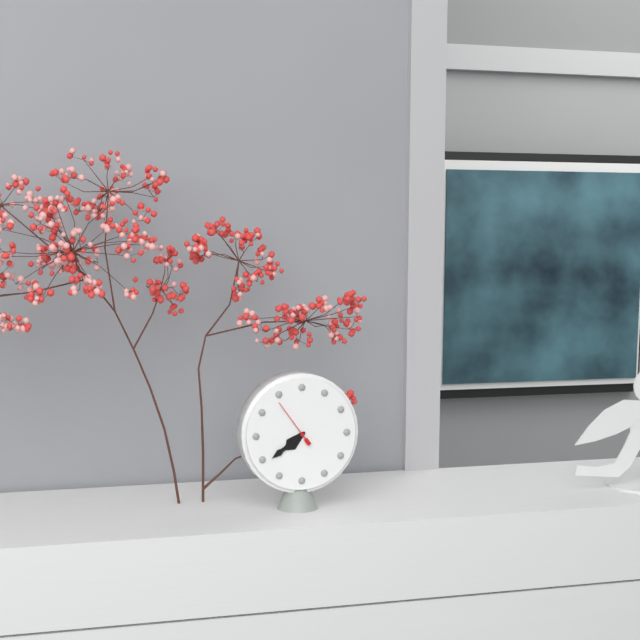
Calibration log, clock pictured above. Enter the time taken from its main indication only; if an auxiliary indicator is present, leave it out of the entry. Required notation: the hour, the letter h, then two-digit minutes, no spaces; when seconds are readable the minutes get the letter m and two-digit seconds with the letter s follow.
7h39
